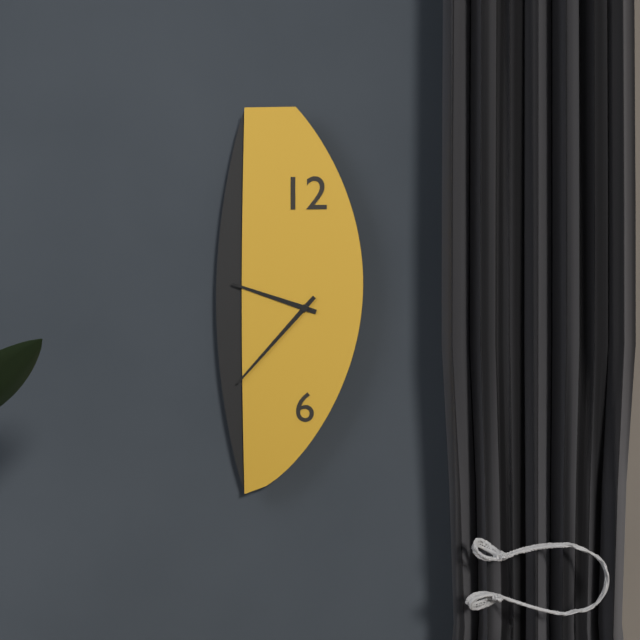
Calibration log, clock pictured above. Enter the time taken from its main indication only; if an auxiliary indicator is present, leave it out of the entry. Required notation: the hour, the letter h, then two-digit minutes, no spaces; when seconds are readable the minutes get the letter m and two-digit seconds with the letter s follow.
9h37
